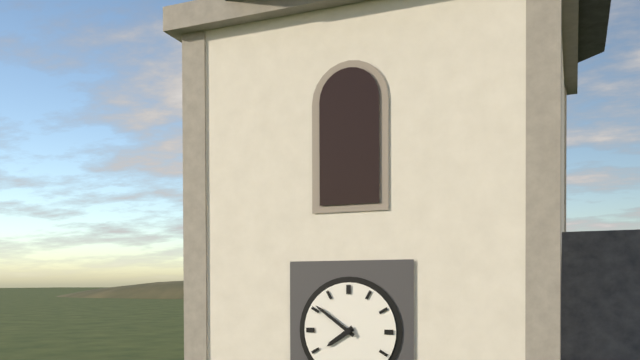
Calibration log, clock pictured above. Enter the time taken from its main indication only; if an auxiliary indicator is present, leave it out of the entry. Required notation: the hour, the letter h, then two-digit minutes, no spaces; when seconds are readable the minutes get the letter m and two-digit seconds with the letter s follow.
7h51
